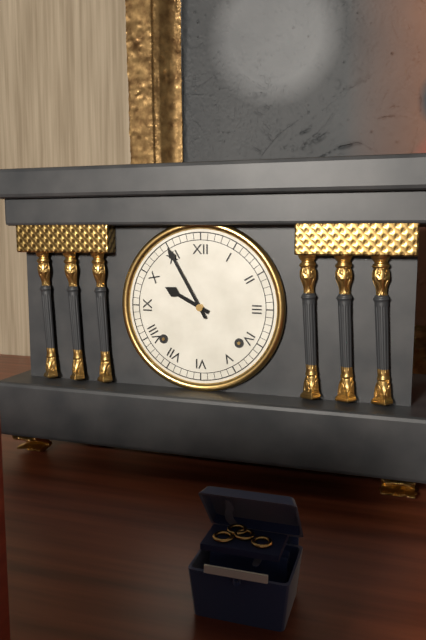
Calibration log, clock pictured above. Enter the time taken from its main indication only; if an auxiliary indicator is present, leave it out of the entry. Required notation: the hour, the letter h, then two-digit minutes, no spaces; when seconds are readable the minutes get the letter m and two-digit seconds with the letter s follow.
9h55
